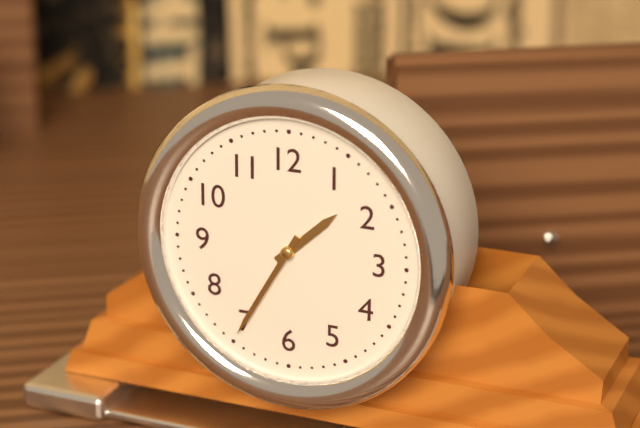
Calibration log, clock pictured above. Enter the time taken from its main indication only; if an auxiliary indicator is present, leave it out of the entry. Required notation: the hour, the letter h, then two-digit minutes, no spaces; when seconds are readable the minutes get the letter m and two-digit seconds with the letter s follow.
1h35
